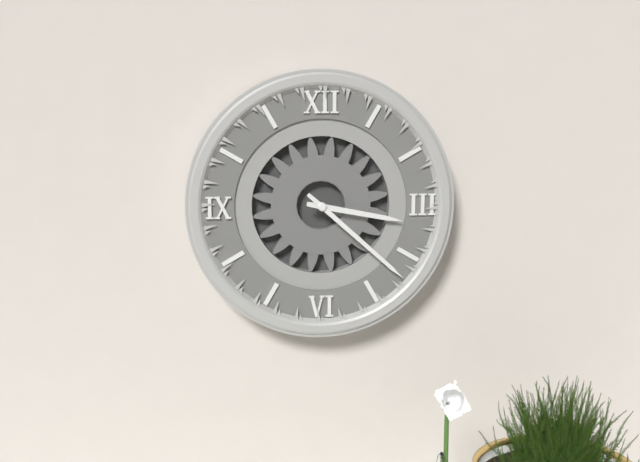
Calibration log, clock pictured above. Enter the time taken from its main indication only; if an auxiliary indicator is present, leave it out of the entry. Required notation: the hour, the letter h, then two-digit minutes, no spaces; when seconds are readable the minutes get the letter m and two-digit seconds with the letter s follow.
3h22
